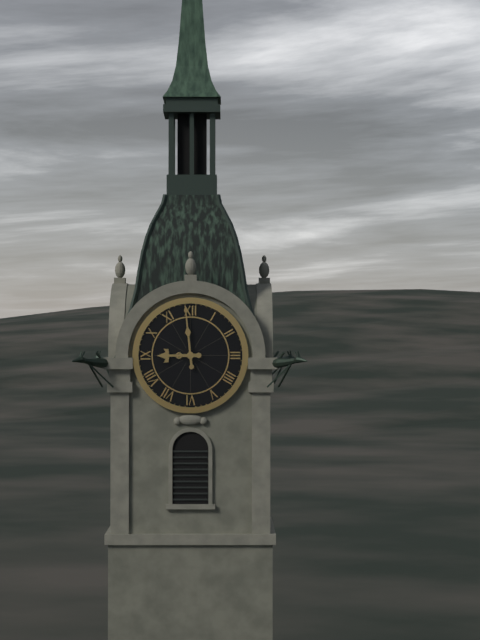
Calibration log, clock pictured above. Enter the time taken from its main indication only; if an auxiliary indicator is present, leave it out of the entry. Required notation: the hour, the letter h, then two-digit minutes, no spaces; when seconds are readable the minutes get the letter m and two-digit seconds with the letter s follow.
8h59
